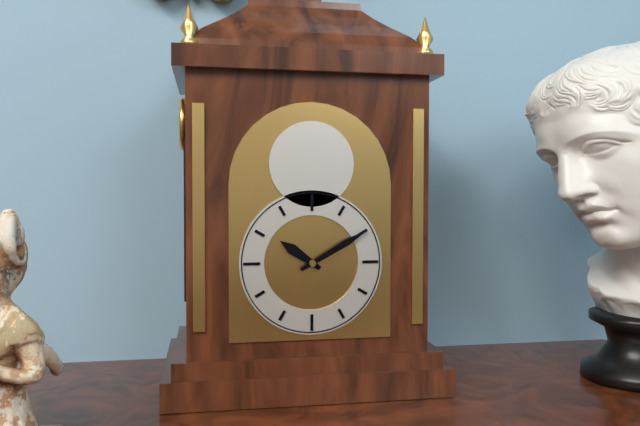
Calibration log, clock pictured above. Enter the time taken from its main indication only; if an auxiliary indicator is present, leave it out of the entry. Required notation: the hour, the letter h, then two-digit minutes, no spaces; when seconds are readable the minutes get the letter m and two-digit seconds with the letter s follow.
10h10
